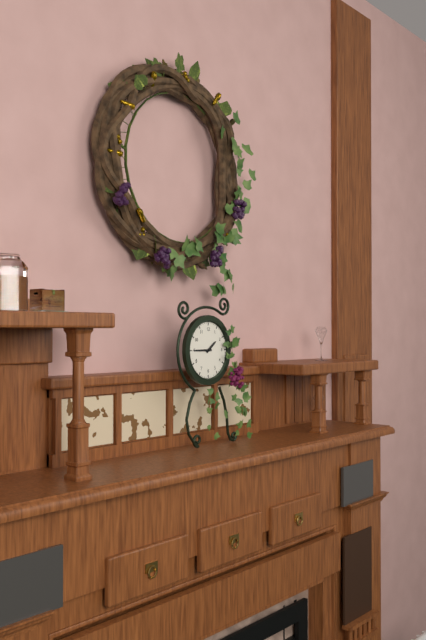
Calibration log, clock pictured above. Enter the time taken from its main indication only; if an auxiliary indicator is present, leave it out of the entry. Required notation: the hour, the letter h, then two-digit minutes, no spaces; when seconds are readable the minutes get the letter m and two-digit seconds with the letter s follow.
1h45
